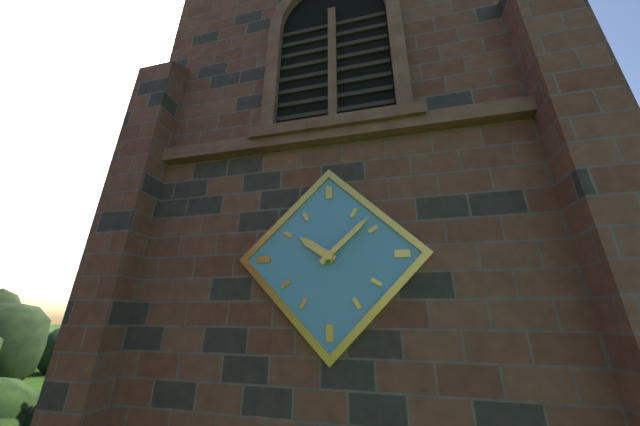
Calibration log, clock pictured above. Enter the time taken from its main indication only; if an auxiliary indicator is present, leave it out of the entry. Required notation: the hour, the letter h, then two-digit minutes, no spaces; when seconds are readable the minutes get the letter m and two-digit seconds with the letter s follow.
10h08
